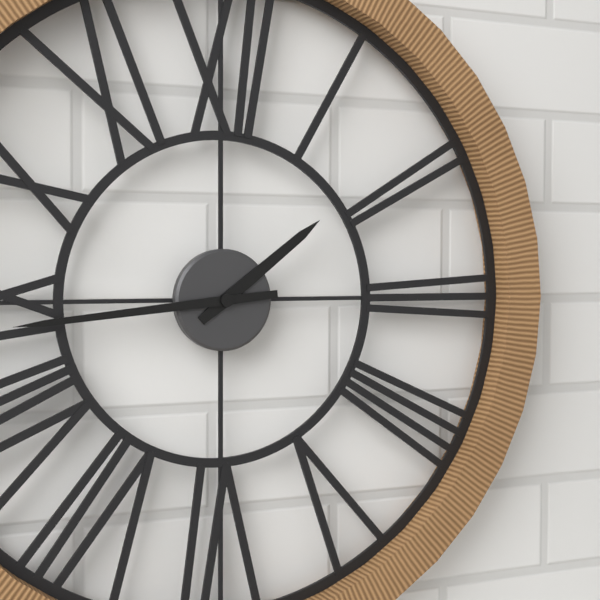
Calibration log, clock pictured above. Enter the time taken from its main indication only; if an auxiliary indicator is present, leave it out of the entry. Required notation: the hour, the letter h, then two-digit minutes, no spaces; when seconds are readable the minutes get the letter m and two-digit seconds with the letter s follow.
1h44
